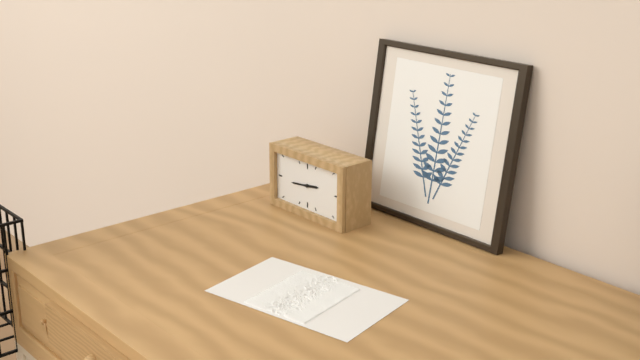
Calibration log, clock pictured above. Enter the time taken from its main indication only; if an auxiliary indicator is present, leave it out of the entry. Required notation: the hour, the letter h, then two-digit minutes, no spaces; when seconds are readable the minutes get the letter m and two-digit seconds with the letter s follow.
2h44
